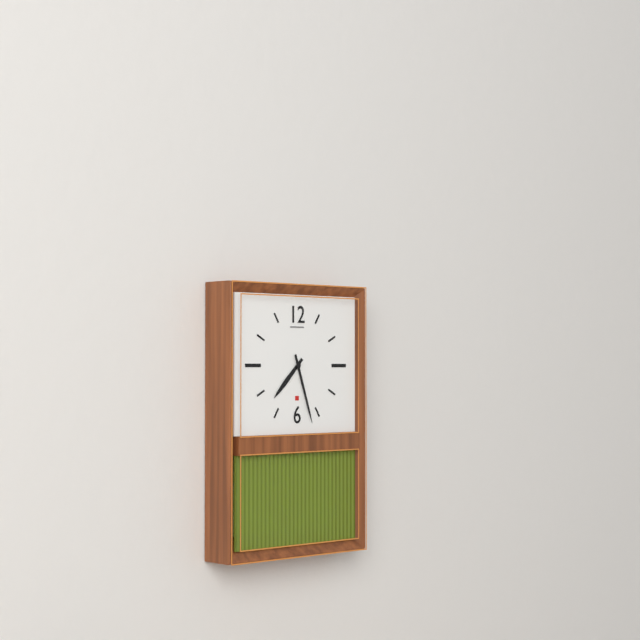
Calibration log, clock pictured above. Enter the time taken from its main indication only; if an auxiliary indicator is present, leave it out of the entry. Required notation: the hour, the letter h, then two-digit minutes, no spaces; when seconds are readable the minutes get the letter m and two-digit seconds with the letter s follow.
7h27
